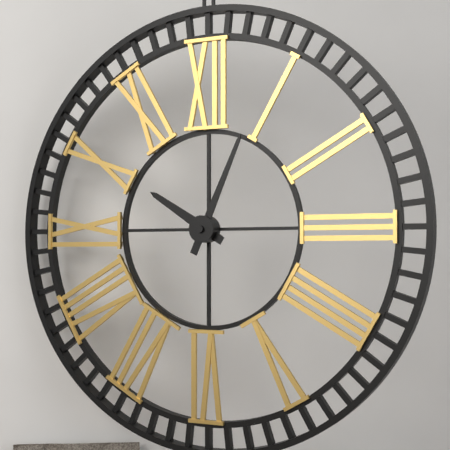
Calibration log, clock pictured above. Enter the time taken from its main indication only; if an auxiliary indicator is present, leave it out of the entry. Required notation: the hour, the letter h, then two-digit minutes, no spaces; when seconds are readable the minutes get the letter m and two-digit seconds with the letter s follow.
10h04
